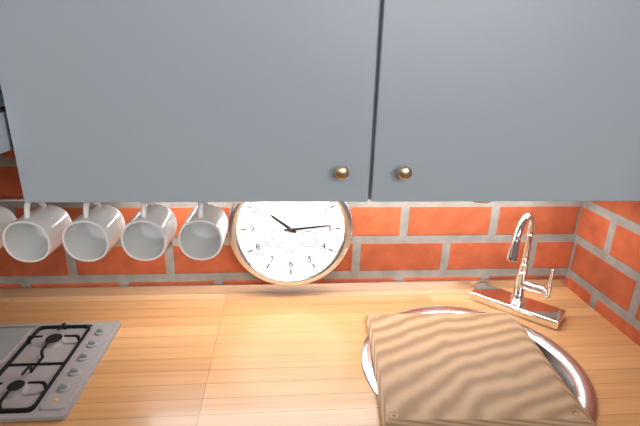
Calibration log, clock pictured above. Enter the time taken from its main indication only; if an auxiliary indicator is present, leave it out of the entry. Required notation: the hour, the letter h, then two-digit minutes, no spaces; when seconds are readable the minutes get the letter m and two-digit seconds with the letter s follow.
10h14
